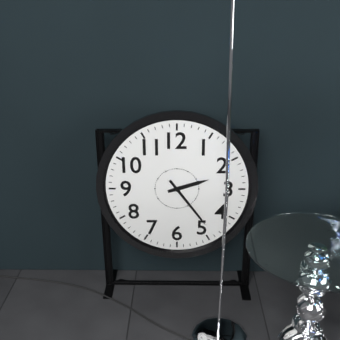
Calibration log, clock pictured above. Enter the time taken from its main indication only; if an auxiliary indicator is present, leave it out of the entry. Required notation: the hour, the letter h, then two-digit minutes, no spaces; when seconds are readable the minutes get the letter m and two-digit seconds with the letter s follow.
2h24
